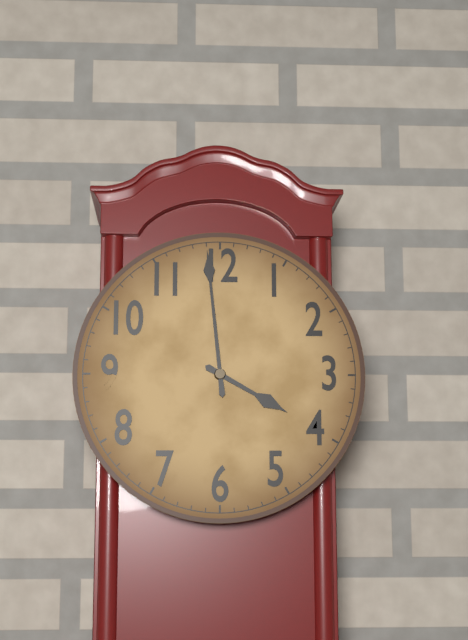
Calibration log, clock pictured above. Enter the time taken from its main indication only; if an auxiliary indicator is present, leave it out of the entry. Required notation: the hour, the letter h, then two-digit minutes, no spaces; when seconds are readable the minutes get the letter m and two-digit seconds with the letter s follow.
3h59
